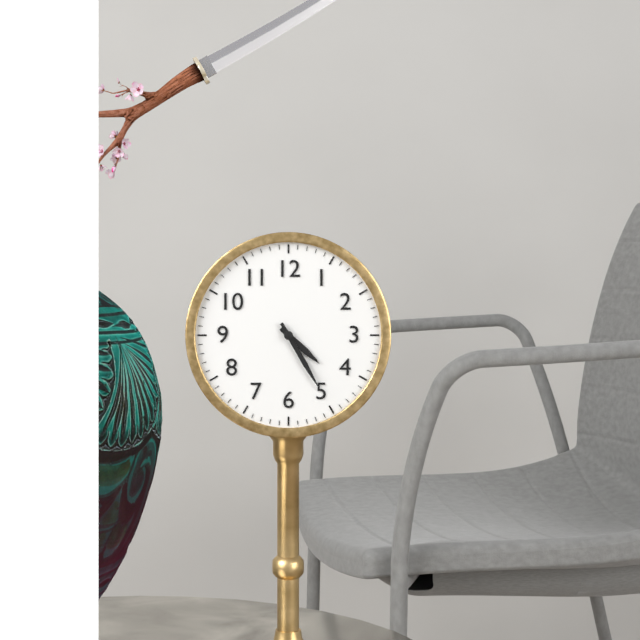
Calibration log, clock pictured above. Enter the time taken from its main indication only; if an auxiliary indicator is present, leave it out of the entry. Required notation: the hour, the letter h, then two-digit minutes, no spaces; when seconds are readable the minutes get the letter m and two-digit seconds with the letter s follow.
4h25
